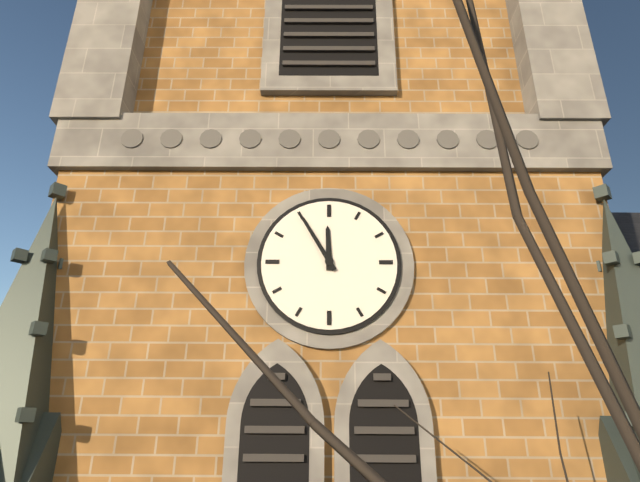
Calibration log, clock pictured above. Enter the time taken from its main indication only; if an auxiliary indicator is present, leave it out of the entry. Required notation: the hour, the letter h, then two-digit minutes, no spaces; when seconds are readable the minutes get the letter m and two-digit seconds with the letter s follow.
11h55
